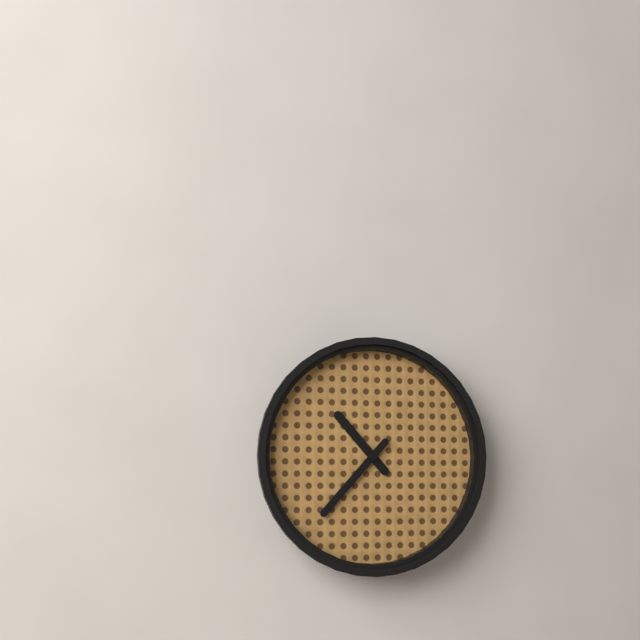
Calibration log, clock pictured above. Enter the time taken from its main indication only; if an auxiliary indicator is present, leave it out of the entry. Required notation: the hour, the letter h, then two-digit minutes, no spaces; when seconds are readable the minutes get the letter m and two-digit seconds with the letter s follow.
10h37
